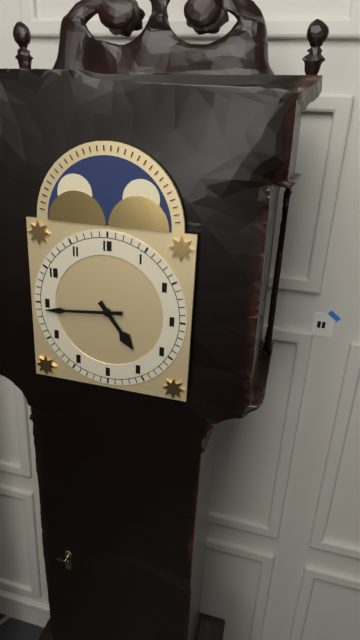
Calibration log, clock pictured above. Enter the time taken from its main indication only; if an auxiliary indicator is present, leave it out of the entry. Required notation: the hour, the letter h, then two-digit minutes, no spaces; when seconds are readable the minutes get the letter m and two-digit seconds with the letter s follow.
4h44
